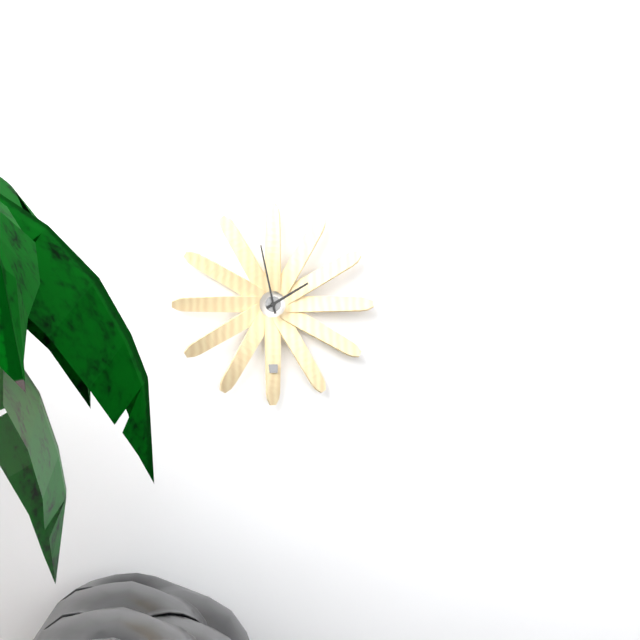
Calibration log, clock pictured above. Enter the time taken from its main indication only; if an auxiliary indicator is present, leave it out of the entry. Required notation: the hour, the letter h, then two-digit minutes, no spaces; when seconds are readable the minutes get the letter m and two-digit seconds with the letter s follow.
1h58
